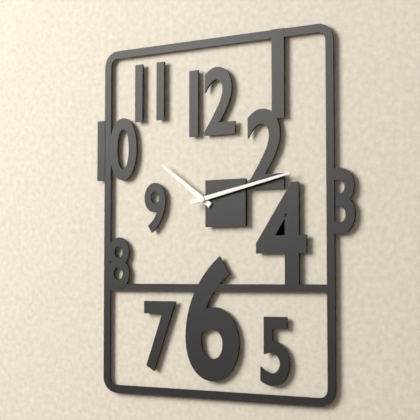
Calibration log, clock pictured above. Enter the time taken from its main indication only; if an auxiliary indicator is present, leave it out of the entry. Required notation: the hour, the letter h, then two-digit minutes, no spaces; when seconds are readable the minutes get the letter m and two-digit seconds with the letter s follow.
10h13
